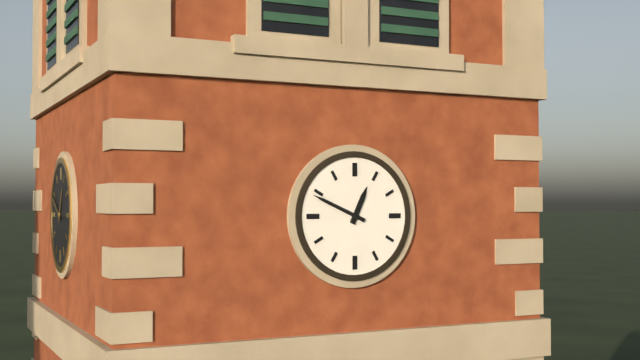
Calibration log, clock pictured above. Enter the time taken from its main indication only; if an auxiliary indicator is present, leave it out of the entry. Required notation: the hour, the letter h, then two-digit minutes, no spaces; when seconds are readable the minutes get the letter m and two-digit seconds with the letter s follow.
12h49
